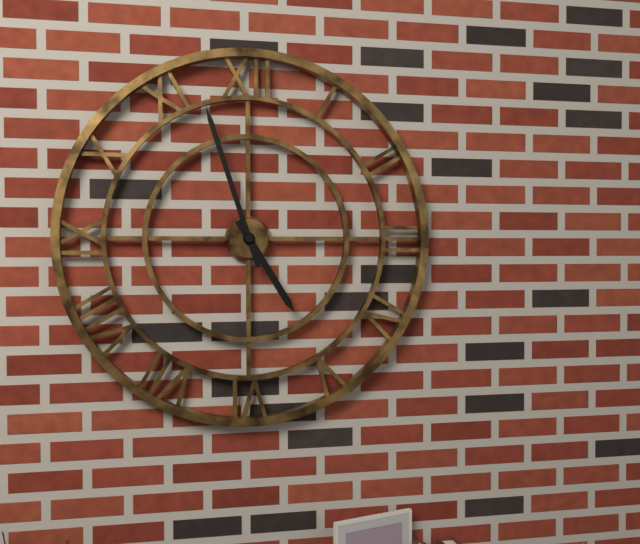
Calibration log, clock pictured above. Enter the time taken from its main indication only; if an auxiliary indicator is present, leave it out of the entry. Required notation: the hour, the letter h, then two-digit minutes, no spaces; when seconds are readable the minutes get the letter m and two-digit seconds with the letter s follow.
4h57
